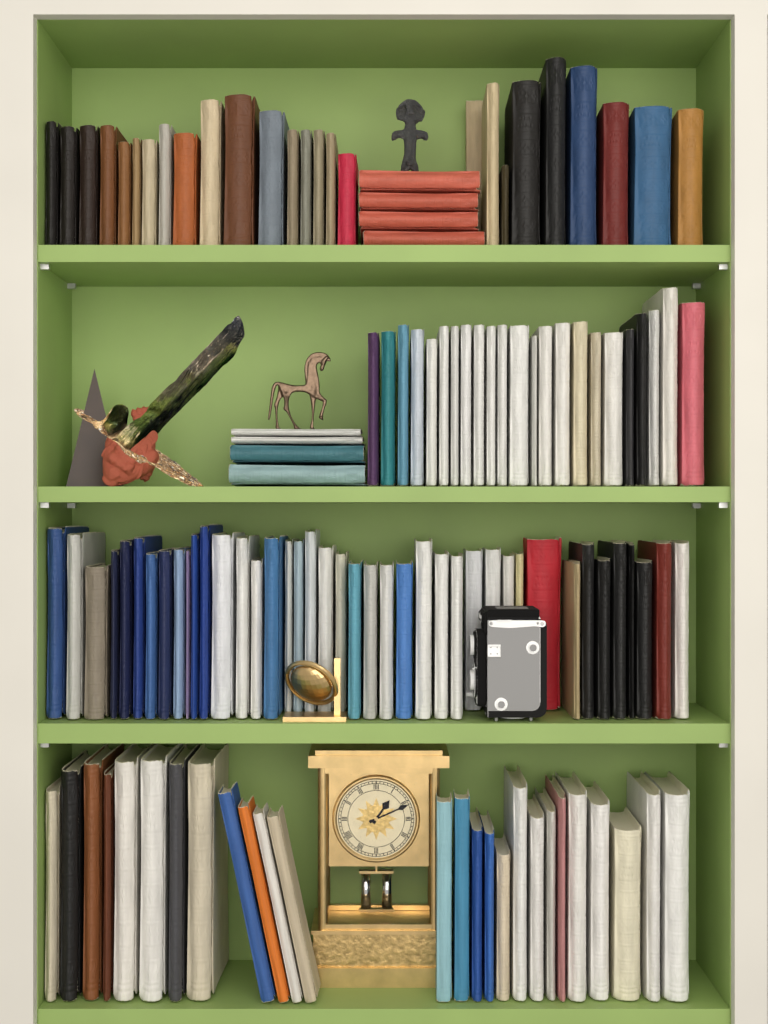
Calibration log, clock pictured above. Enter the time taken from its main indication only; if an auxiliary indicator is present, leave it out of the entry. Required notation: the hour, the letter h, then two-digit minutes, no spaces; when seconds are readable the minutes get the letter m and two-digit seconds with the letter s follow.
1h11
